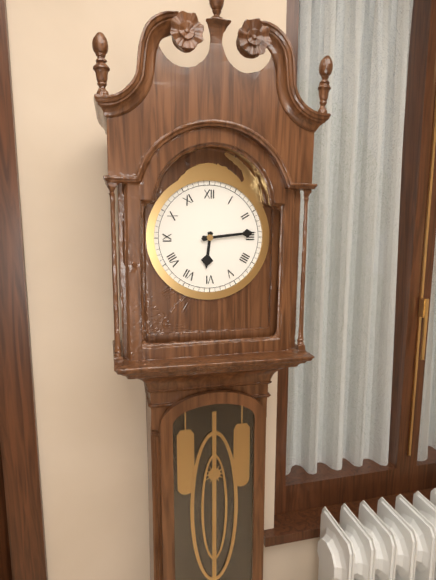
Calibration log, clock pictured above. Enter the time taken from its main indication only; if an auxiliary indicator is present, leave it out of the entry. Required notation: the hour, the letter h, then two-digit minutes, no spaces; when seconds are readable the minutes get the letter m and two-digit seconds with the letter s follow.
6h14
